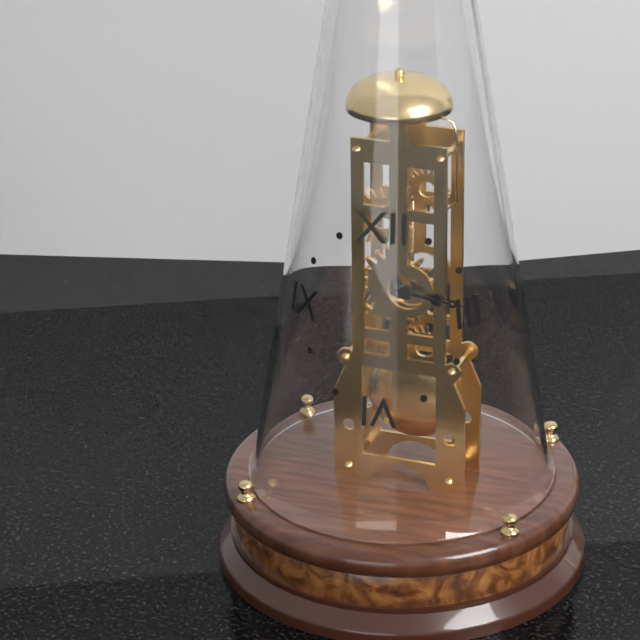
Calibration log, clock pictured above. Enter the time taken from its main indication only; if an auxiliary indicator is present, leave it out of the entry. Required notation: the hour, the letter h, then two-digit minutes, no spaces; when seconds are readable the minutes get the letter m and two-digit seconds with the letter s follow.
3h16
